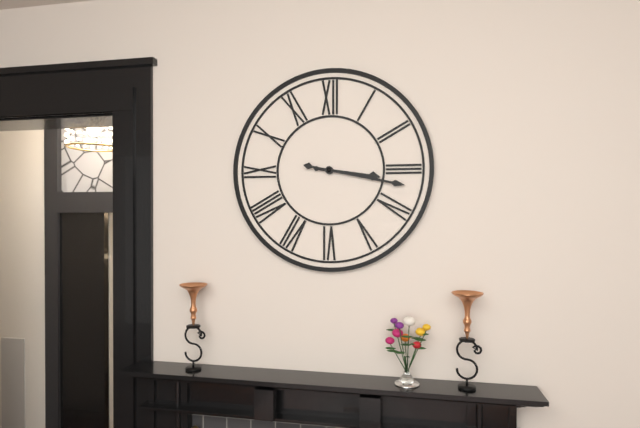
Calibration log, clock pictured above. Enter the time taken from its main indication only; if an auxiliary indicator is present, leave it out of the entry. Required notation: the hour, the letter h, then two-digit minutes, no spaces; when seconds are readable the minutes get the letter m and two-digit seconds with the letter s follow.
3h17
